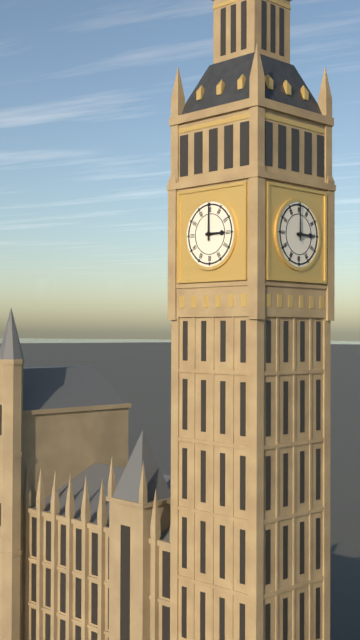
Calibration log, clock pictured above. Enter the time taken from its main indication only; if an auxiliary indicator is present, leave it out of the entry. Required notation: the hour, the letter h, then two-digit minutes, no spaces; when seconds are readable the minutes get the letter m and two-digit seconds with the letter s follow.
3h00
